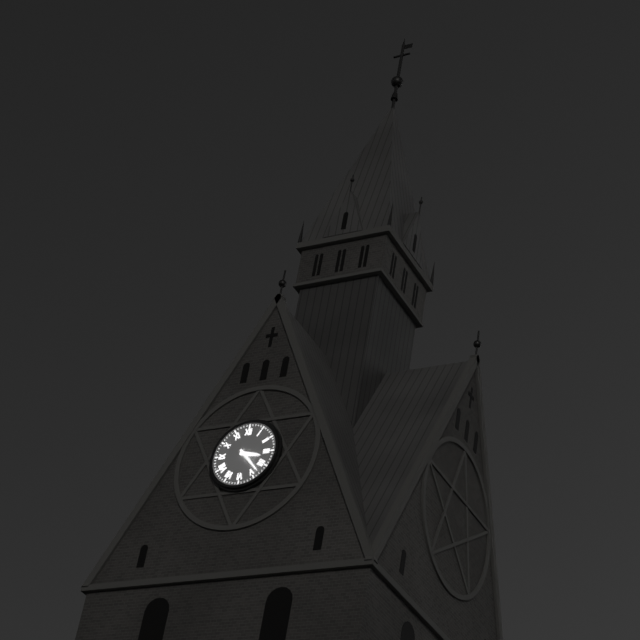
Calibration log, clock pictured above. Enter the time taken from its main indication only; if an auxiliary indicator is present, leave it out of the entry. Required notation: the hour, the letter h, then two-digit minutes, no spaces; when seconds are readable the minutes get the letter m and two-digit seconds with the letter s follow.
3h23
